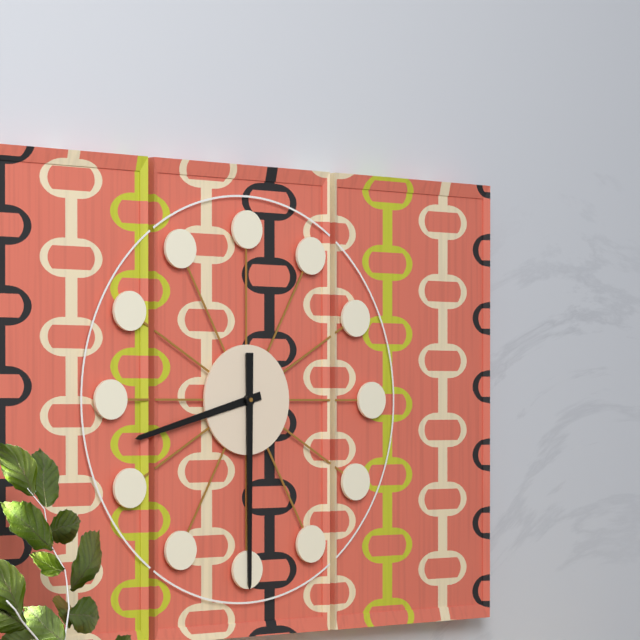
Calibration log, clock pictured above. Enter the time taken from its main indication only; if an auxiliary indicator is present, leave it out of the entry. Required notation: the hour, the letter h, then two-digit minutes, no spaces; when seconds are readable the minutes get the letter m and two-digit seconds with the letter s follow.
8h30
